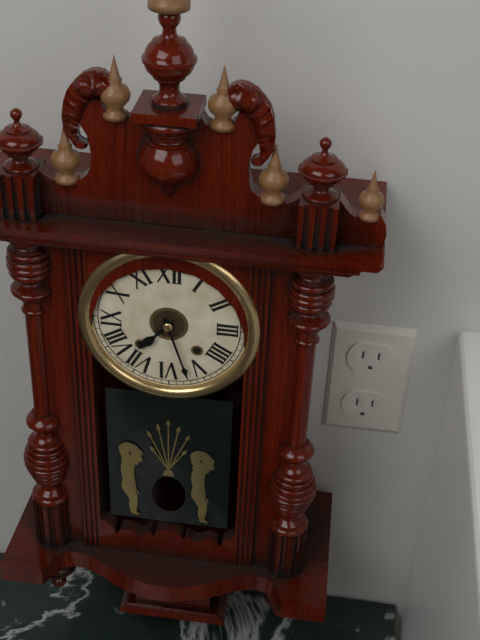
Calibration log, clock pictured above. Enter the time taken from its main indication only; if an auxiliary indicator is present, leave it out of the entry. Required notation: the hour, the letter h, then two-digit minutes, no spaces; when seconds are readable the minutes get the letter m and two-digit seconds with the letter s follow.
7h27
